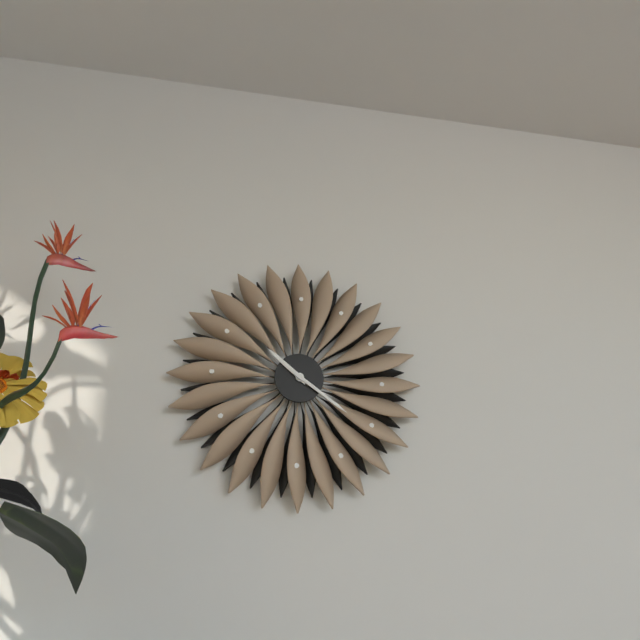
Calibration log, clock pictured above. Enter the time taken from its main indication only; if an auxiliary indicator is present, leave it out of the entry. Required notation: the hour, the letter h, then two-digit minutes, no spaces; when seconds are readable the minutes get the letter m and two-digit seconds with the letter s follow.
10h21
